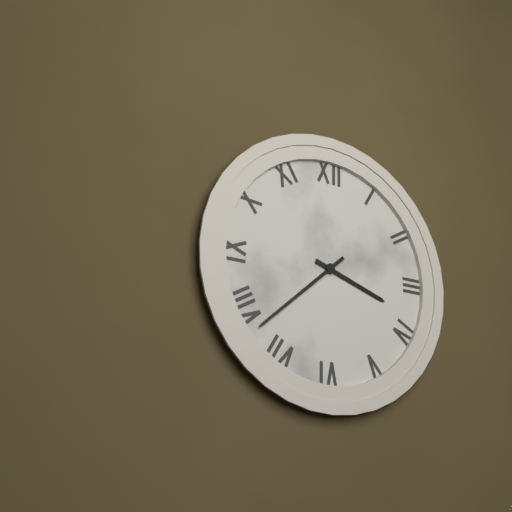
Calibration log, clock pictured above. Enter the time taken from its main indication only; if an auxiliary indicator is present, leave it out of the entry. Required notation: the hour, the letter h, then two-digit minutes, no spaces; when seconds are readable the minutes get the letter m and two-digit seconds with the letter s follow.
3h38
